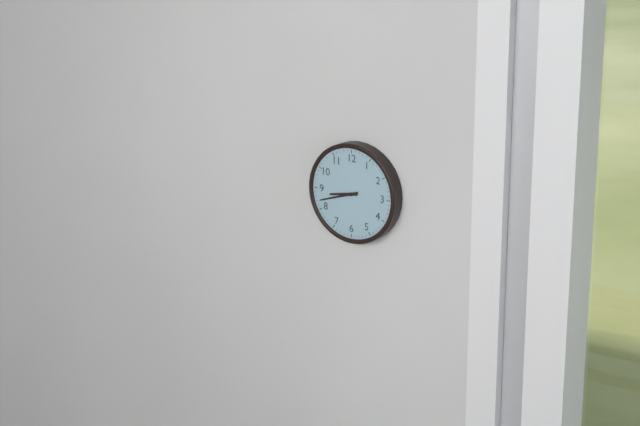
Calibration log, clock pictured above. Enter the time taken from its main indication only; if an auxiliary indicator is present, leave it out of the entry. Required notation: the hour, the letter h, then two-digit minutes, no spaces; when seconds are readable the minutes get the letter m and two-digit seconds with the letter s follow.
8h42
